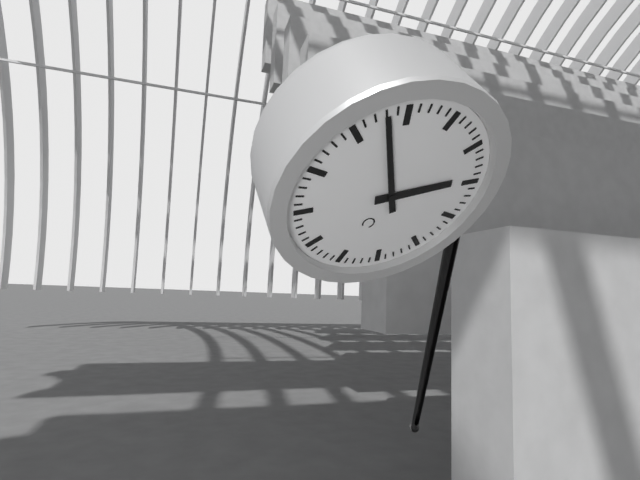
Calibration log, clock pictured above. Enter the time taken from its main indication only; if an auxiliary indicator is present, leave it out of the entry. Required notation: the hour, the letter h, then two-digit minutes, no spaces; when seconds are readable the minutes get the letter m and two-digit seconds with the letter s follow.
1h53
